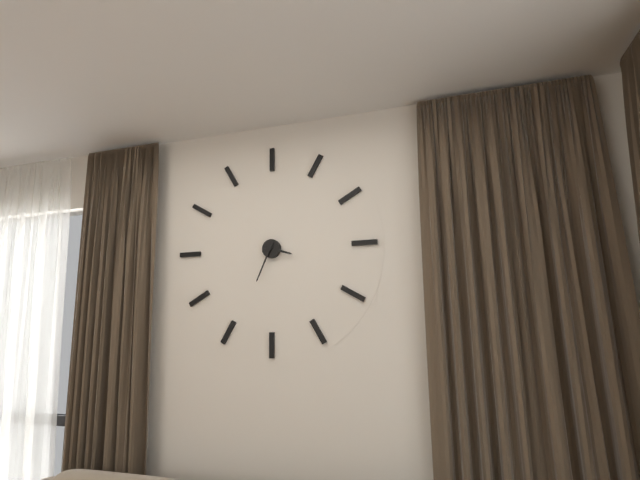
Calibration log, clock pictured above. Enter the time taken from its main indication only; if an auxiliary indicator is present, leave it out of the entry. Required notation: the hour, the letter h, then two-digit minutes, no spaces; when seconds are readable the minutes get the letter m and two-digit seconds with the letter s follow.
3h34
